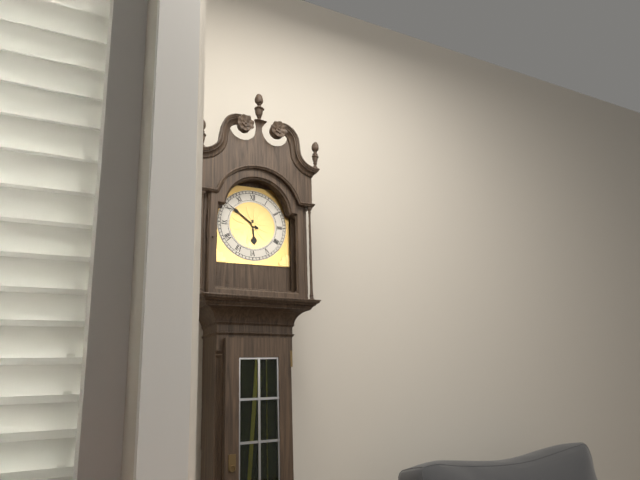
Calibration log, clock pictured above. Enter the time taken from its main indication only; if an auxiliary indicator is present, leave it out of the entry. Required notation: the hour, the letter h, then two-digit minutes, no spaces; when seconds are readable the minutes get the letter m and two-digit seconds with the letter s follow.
5h51
